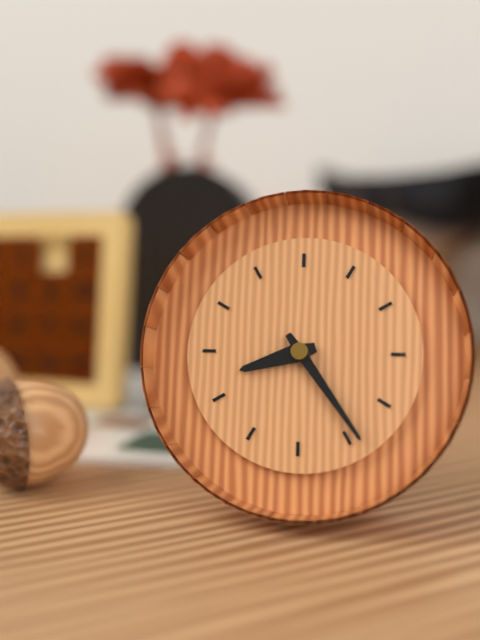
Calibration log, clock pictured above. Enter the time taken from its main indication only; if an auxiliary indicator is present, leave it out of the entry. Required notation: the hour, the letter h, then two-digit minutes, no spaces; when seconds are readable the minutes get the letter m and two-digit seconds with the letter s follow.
8h24
